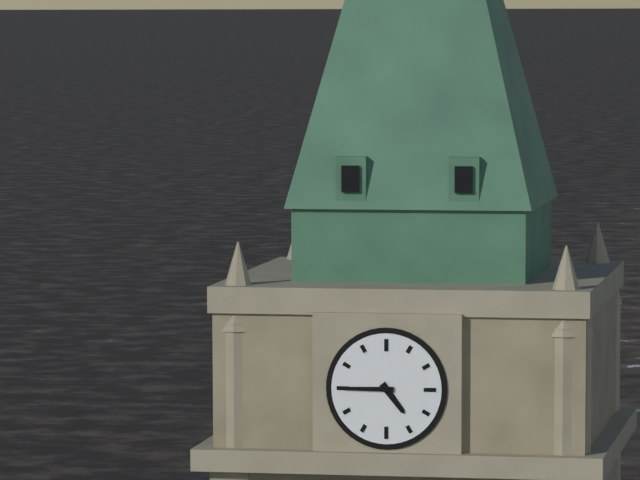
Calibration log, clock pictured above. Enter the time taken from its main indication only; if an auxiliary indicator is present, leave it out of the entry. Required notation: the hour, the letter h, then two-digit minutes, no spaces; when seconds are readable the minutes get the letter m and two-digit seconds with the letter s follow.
4h45
